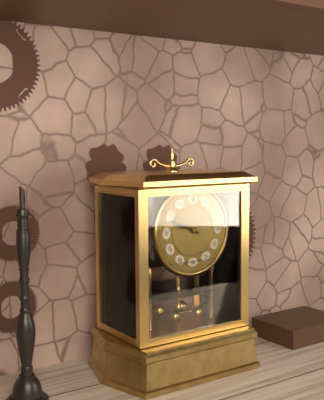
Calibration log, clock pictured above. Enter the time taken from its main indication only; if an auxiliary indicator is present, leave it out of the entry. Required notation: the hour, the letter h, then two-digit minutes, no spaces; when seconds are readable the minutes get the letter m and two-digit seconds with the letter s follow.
9h49
